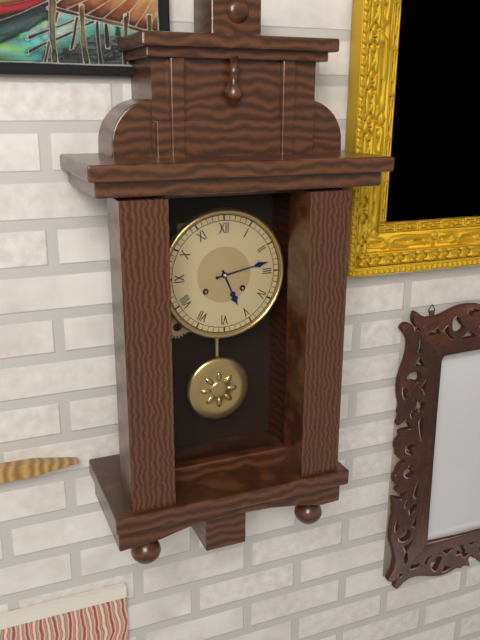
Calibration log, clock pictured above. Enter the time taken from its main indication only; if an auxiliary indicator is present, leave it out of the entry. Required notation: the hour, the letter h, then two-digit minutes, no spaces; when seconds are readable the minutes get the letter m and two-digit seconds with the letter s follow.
5h13
